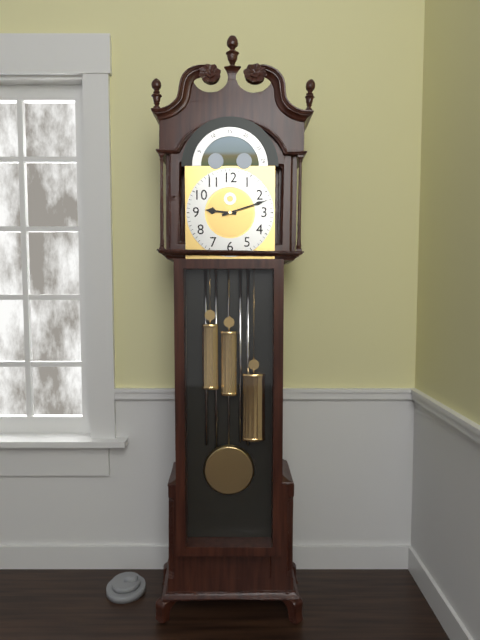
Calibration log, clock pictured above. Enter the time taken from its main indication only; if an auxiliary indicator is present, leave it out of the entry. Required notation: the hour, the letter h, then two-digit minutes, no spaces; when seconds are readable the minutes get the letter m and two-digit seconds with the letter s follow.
9h12
